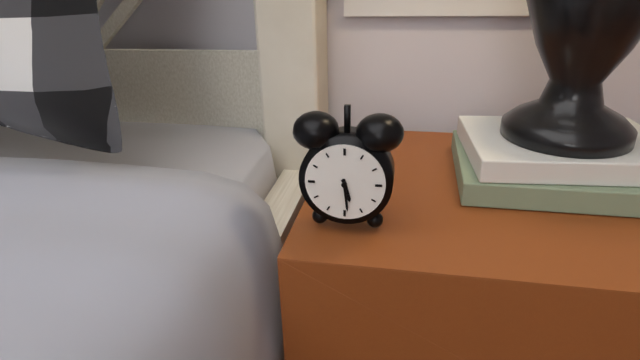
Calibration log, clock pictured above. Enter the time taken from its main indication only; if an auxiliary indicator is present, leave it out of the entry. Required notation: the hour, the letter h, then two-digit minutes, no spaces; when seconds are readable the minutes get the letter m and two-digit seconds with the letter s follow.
5h29
